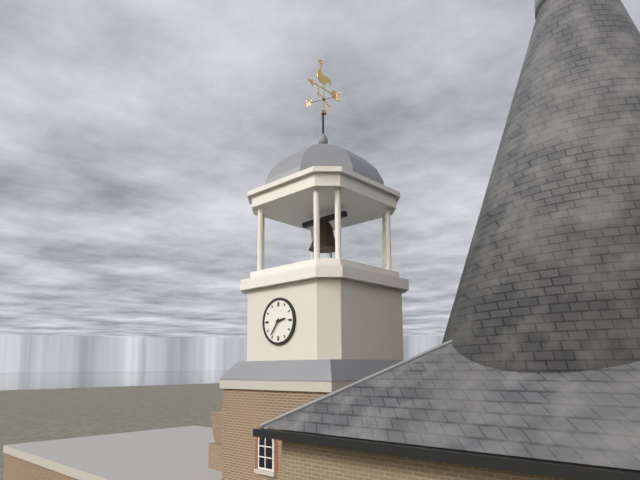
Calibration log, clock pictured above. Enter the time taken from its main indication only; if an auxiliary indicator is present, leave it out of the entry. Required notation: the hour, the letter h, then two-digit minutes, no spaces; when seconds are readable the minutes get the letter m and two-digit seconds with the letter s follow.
2h36
